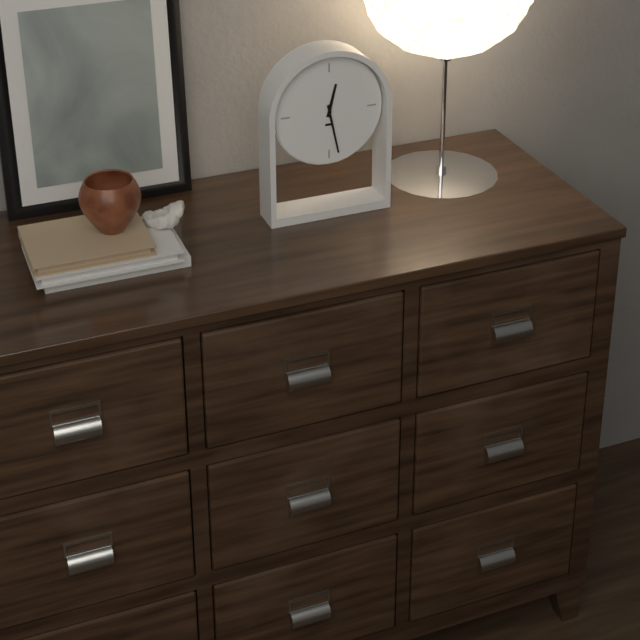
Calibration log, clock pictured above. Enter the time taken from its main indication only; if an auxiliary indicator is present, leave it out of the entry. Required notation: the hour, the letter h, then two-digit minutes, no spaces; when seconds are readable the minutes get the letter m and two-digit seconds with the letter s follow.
12h28
